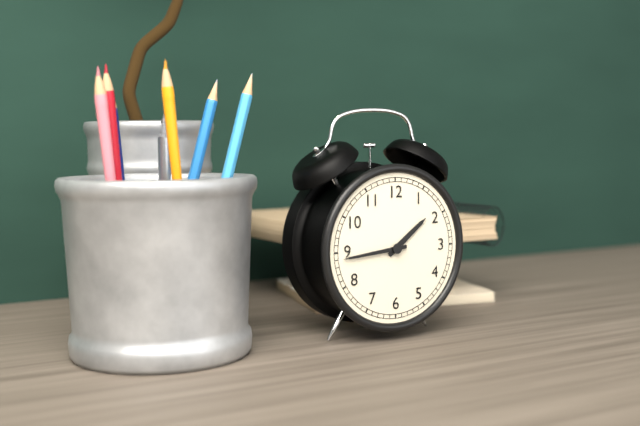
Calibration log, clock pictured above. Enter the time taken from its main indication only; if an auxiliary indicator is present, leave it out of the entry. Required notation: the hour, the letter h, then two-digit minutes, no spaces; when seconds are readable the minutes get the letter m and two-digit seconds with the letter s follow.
1h44
